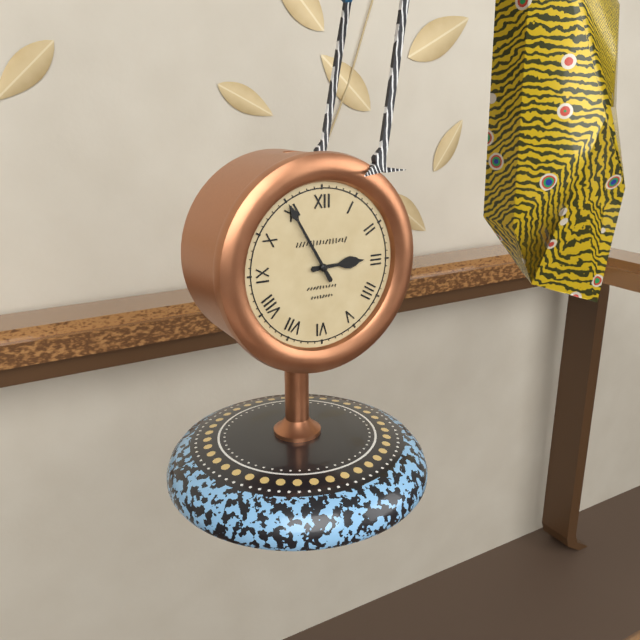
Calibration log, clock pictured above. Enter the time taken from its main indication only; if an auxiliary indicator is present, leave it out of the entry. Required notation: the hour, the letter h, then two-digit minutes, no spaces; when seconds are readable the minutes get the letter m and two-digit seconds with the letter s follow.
2h55
